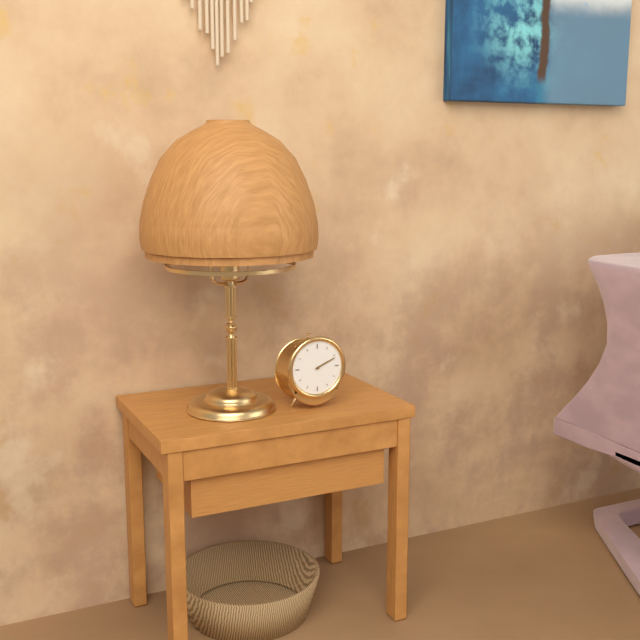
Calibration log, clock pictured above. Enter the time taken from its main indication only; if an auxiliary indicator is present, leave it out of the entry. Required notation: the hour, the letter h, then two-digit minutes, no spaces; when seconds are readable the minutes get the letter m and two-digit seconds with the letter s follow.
2h11
